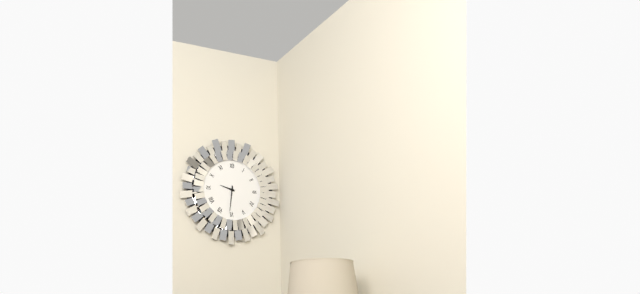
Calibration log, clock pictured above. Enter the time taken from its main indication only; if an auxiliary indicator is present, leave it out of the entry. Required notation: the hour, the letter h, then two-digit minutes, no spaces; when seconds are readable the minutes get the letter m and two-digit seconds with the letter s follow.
9h31
